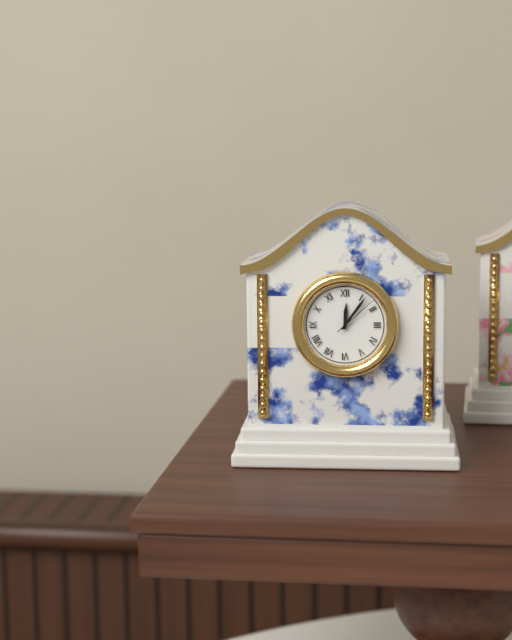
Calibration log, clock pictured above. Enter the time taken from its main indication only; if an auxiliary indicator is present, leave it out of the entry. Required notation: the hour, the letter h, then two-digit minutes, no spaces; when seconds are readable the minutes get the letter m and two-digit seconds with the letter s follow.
12h06
